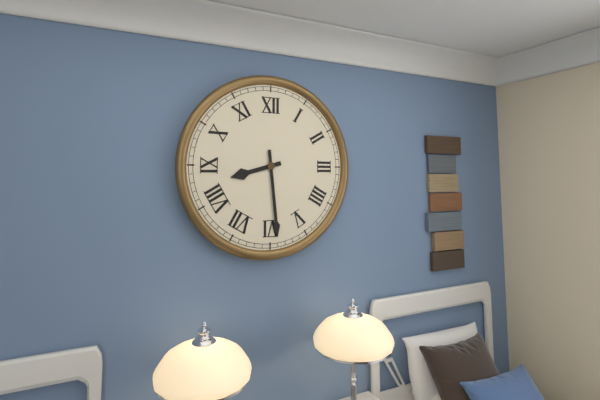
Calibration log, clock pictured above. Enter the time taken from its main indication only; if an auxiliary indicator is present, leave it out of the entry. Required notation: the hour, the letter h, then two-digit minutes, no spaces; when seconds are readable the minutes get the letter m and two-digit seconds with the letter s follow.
8h29
